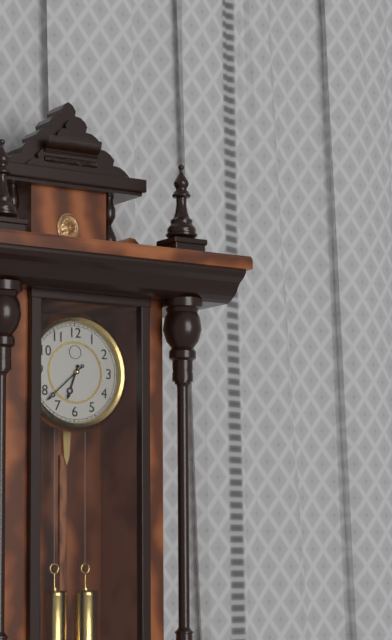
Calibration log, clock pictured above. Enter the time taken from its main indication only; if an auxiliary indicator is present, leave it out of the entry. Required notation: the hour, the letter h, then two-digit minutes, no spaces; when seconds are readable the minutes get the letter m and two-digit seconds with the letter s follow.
6h38
